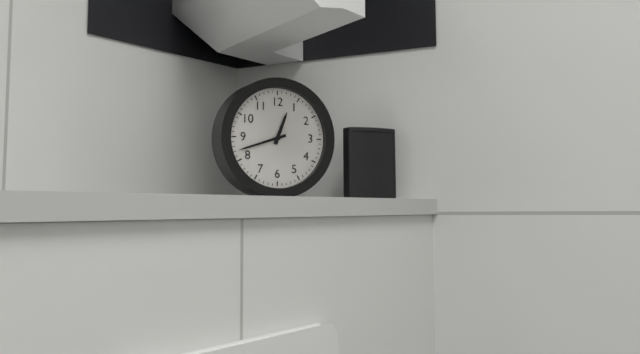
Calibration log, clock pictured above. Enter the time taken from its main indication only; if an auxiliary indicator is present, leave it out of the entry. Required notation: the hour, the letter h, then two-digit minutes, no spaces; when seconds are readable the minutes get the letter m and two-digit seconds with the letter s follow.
12h42
